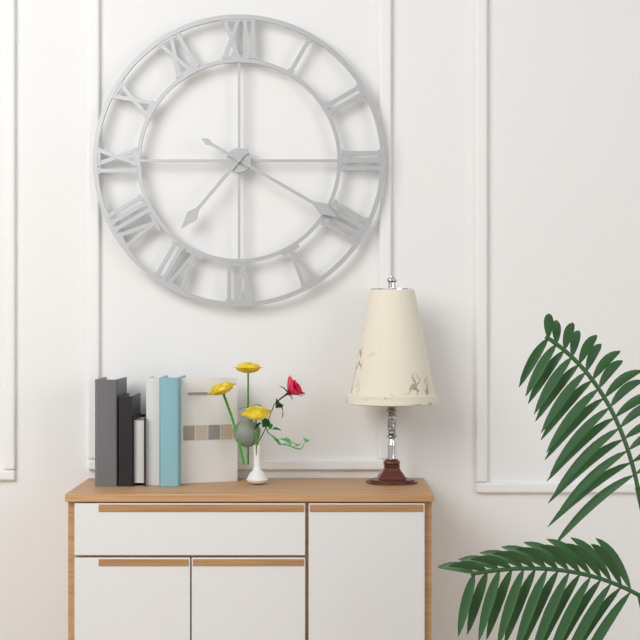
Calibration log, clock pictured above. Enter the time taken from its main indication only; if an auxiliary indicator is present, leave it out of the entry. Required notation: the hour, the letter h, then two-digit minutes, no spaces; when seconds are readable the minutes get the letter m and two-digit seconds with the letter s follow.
7h20
